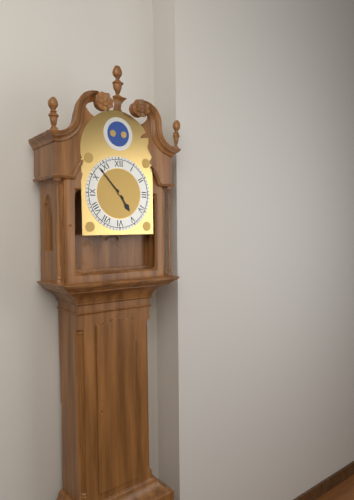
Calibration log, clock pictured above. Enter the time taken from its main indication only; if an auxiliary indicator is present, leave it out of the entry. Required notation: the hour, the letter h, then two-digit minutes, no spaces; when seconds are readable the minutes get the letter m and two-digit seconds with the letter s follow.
4h53
